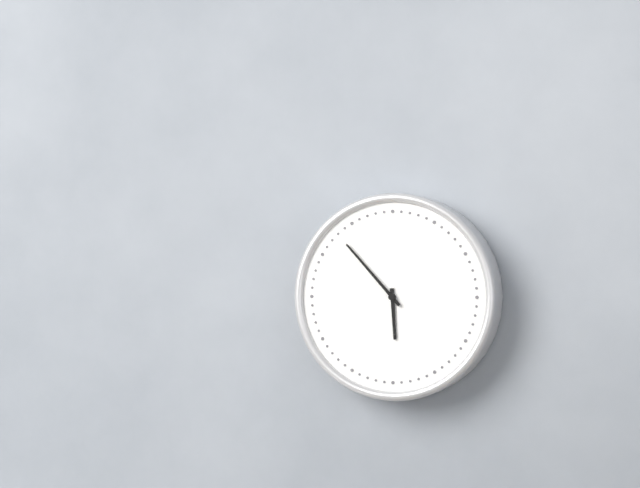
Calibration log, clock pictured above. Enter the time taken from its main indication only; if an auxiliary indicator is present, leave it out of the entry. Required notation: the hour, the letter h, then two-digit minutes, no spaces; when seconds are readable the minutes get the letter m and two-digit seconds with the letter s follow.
5h53
